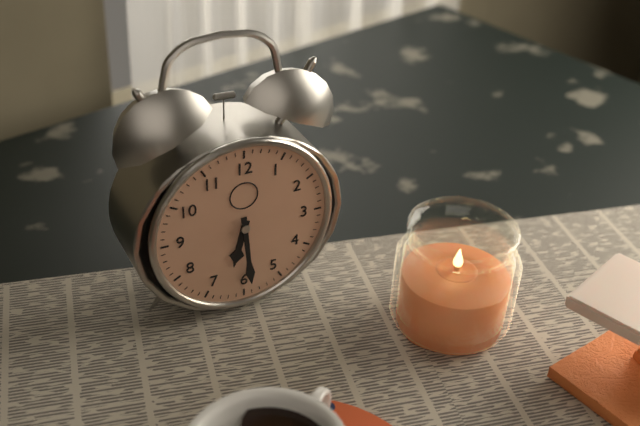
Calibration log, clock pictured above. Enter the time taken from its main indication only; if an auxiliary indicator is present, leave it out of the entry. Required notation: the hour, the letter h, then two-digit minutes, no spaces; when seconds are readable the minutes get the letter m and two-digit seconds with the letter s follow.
6h29
